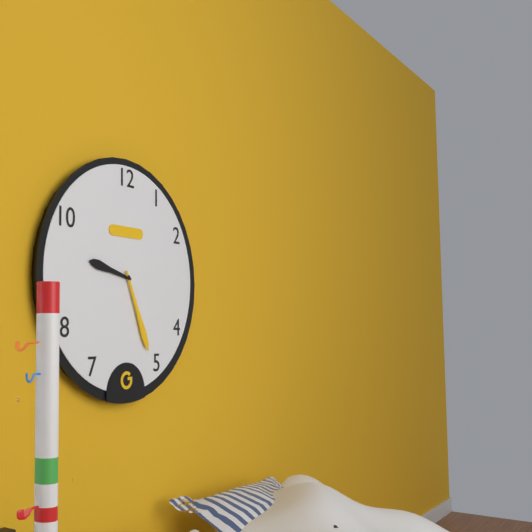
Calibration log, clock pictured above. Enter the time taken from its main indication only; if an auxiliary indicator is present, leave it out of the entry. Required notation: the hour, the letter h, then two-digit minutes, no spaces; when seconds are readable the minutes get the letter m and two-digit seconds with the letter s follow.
9h26
